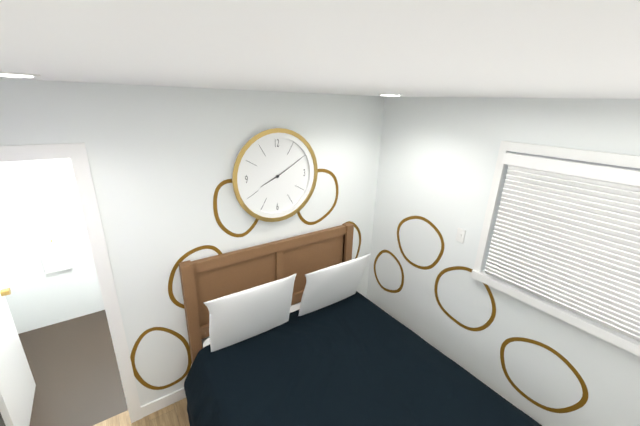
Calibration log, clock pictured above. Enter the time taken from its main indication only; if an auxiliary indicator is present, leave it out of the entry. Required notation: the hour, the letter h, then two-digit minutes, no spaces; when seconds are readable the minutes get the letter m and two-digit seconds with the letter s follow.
8h10
